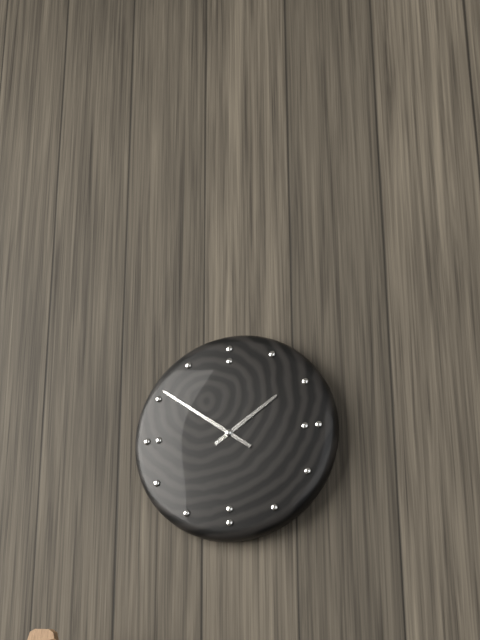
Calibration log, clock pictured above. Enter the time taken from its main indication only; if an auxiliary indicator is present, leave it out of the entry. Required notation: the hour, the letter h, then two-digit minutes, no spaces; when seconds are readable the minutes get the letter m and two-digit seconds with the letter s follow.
1h51
